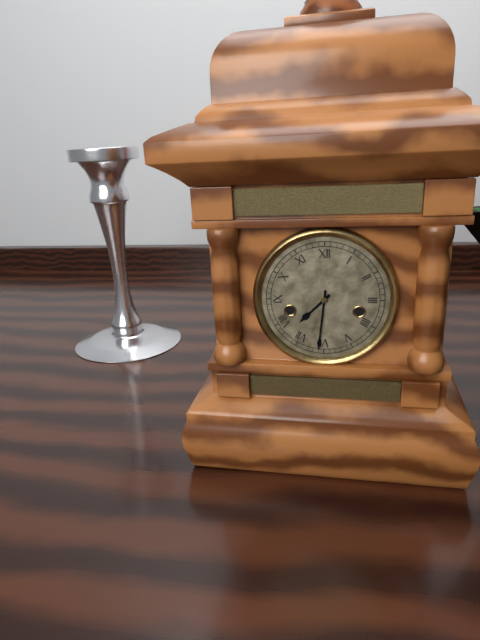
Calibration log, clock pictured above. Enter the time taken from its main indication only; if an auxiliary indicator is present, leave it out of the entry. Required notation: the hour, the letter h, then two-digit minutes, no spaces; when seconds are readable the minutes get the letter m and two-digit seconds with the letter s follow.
7h31
